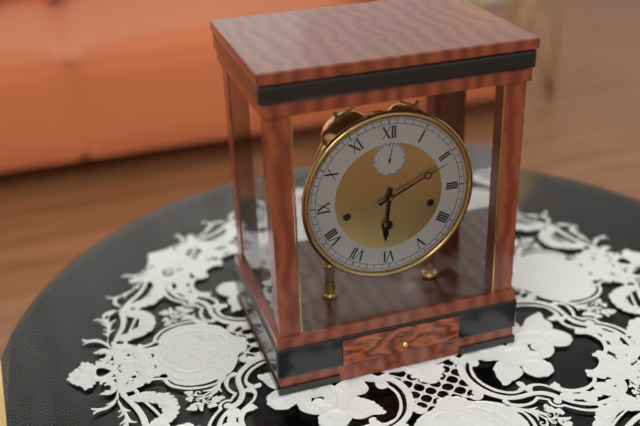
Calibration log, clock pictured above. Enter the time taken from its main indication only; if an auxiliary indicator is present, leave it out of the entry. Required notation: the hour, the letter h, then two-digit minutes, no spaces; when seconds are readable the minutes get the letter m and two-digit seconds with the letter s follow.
6h11
